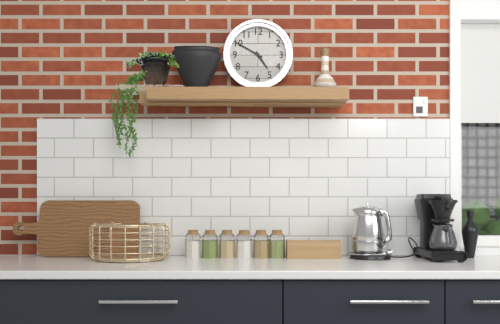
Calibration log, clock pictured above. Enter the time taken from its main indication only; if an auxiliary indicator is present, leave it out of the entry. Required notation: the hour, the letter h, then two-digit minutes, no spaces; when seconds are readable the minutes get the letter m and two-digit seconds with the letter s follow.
4h50
